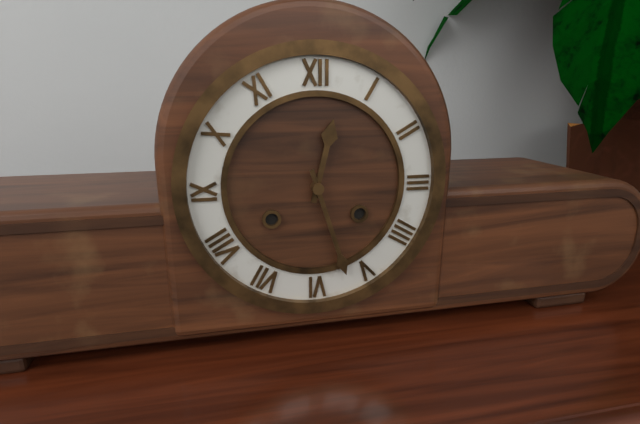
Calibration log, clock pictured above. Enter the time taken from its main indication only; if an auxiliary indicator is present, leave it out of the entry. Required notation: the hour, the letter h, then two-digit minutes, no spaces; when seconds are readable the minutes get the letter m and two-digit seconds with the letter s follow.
12h27
